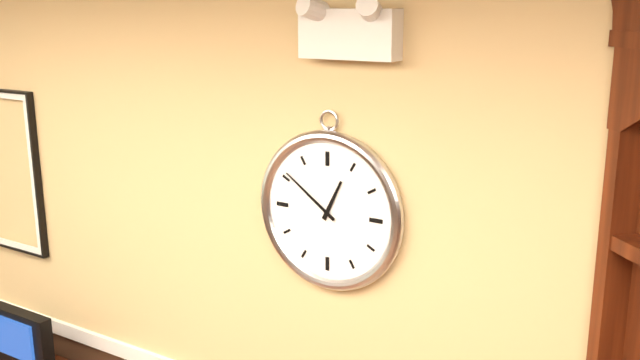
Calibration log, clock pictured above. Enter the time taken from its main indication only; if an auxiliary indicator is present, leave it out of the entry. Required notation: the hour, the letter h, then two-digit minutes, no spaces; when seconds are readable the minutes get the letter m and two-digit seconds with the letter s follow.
12h51
